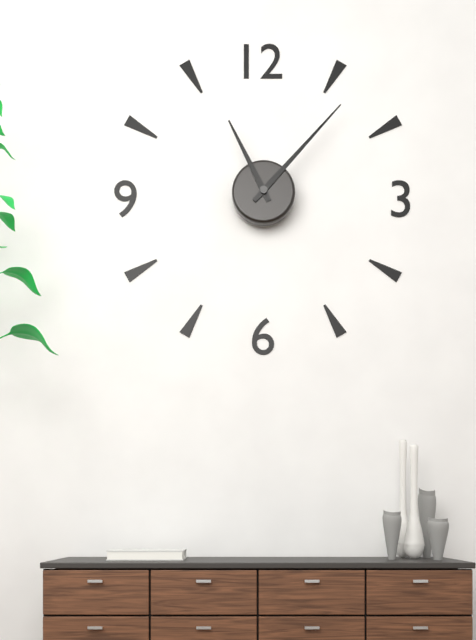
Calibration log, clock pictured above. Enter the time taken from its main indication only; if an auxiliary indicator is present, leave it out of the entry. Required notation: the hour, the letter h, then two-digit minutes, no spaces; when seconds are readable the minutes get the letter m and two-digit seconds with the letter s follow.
11h07
